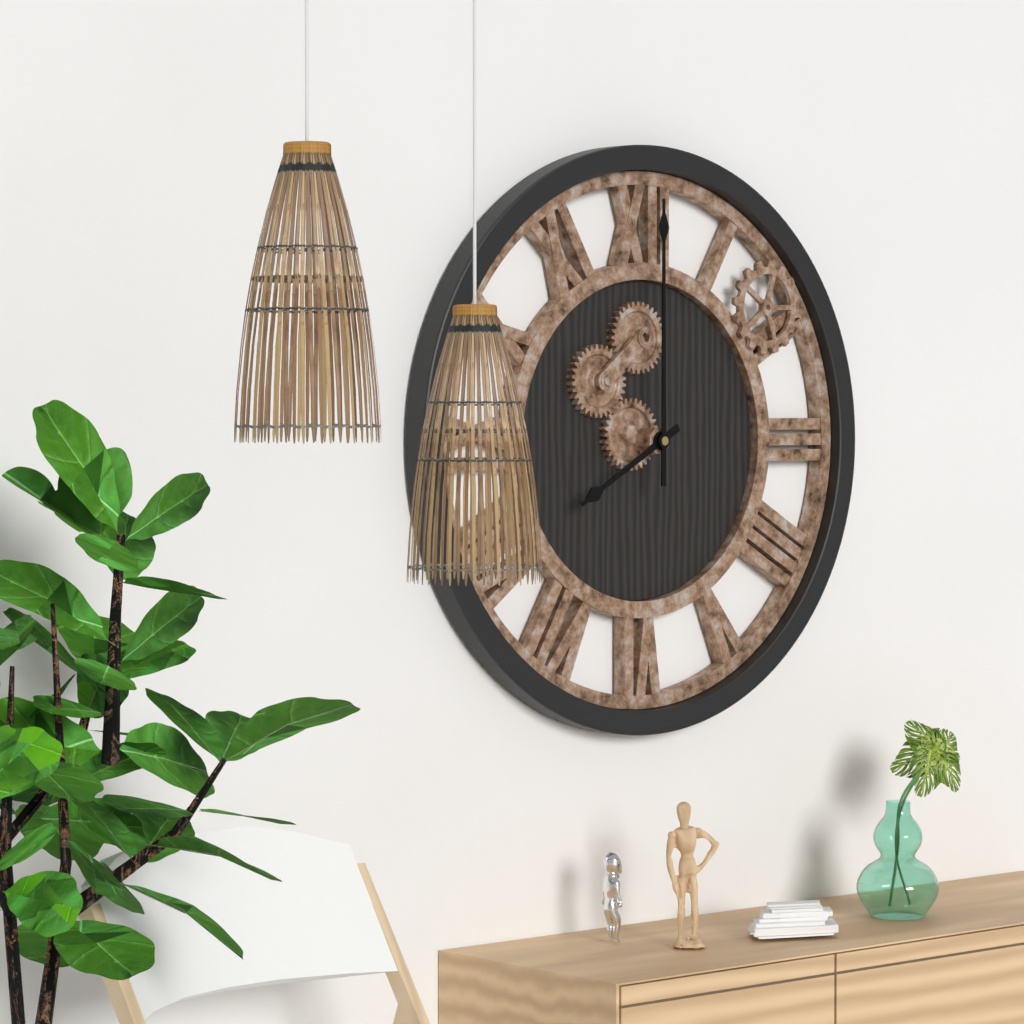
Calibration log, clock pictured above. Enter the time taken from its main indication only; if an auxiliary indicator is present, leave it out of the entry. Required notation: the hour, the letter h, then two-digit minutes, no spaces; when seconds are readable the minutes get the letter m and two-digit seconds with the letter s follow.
8h00
